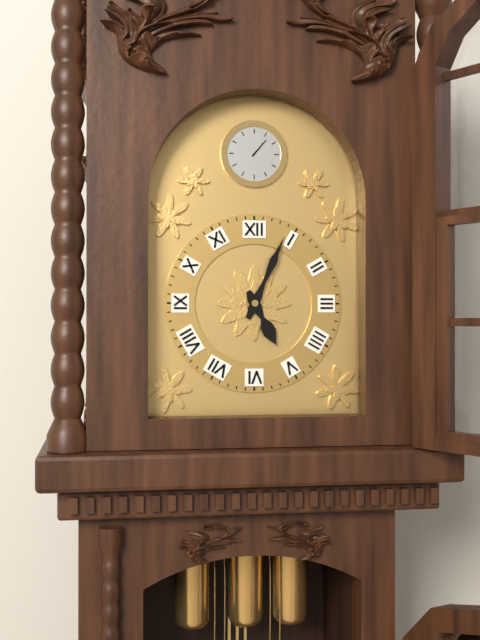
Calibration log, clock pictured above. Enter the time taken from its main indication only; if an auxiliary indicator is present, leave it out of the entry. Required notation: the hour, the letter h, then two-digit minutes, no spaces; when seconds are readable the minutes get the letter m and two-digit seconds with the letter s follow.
5h04
